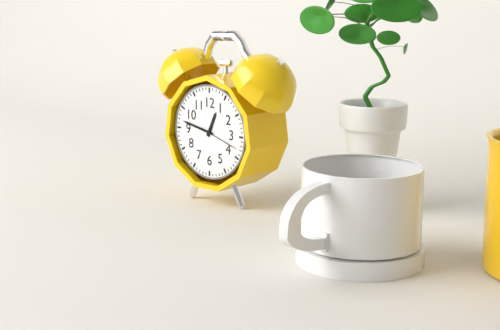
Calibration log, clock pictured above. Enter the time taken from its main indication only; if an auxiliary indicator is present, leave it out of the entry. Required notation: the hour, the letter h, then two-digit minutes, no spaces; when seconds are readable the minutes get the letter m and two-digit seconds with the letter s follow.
12h47
